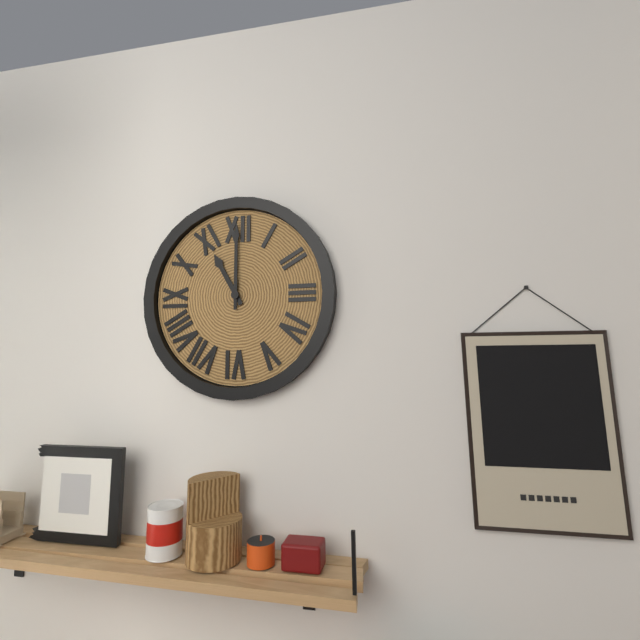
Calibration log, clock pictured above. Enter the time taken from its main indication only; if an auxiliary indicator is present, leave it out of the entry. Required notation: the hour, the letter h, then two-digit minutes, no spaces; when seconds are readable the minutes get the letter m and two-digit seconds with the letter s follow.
11h00
